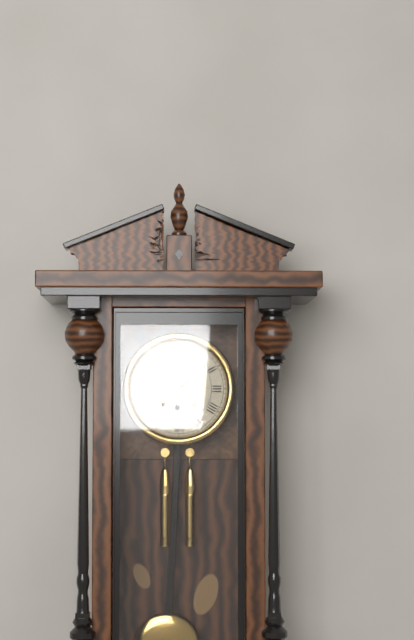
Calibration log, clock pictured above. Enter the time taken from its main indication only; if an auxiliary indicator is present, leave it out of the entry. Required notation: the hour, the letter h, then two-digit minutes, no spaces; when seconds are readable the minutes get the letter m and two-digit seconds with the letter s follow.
6h08
